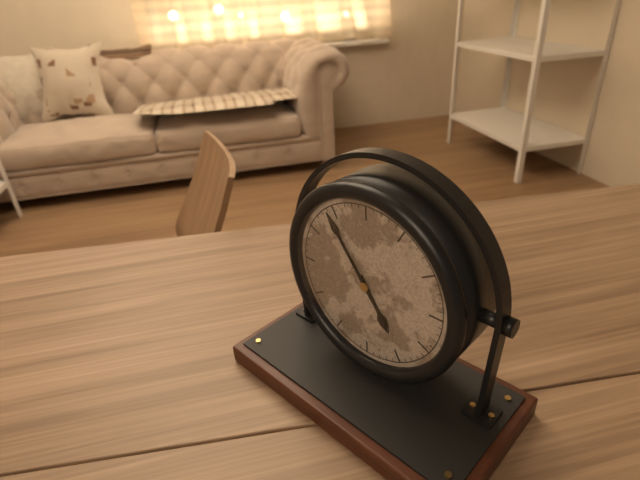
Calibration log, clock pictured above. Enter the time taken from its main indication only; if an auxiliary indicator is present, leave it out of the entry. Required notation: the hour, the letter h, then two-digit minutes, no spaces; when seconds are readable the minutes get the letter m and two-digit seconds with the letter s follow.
4h54
